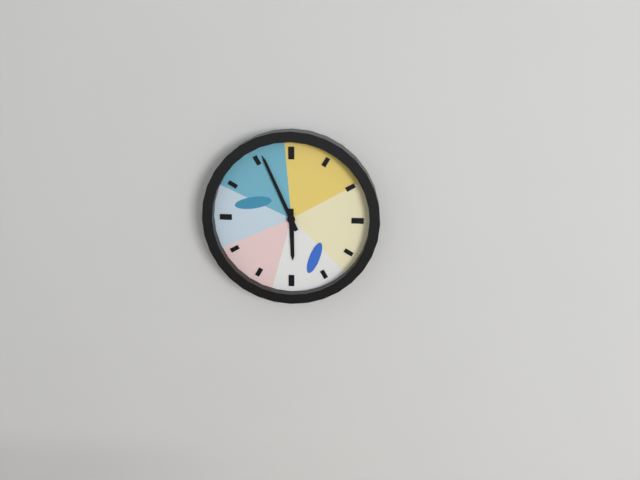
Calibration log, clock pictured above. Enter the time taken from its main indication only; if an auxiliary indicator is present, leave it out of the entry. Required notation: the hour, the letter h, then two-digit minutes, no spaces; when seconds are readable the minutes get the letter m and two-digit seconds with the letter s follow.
5h56
